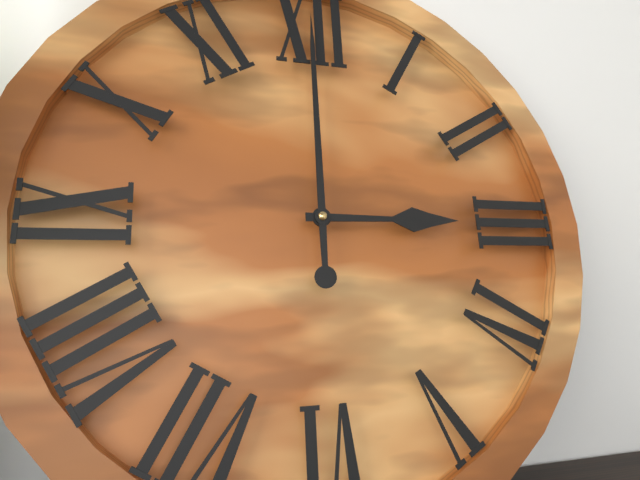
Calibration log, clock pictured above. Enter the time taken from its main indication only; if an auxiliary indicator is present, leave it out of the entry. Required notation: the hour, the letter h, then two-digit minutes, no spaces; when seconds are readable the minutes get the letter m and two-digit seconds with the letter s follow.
3h00
